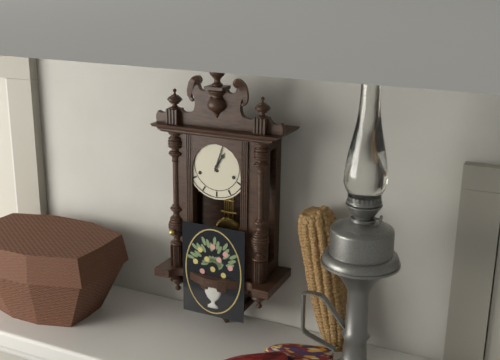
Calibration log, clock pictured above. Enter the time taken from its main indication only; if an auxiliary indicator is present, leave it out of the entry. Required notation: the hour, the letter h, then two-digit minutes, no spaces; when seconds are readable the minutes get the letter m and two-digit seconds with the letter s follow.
1h03
